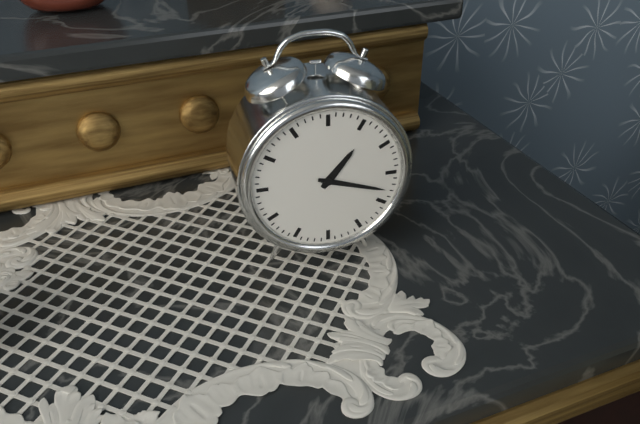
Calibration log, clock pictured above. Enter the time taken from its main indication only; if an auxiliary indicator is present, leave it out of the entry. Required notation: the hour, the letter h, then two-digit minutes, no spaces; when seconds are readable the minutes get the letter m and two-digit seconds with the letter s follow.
1h18
